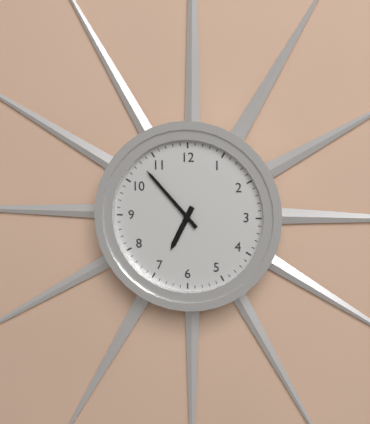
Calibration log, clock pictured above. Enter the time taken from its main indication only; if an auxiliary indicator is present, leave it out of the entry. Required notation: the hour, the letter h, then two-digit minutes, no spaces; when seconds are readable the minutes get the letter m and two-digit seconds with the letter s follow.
6h53
